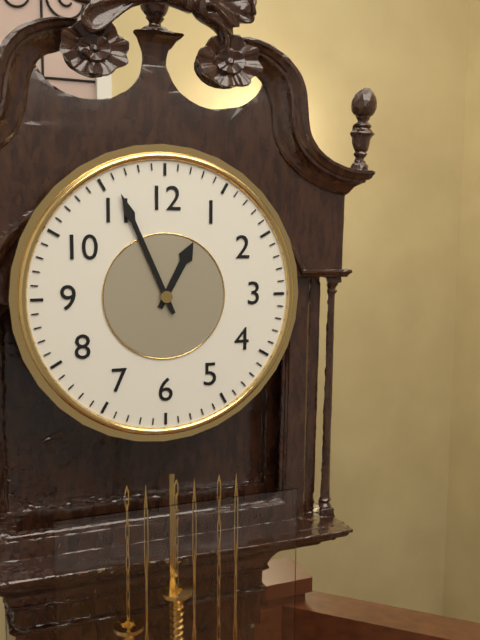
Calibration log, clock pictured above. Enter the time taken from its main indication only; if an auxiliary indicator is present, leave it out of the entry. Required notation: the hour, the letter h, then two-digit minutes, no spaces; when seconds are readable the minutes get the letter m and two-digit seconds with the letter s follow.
12h56
